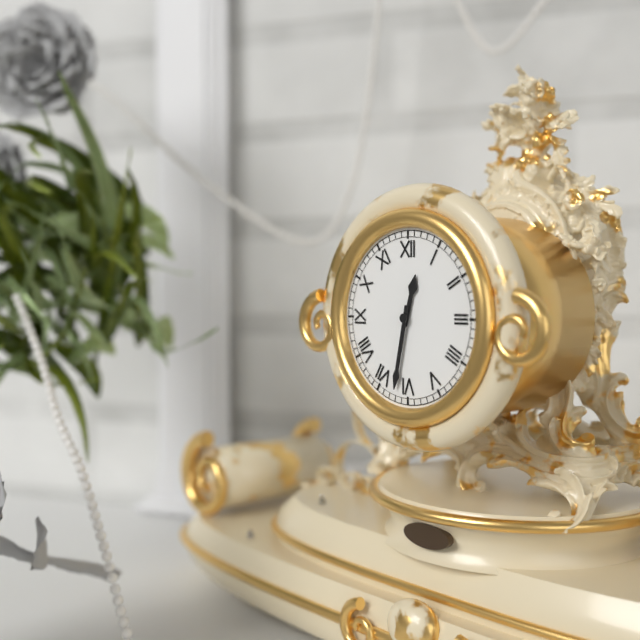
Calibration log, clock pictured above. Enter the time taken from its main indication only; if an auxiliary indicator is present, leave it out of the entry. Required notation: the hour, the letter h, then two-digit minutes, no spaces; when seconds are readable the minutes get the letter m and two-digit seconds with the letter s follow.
12h32
